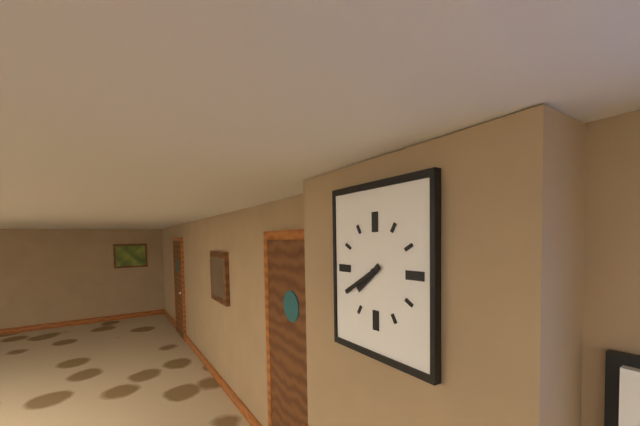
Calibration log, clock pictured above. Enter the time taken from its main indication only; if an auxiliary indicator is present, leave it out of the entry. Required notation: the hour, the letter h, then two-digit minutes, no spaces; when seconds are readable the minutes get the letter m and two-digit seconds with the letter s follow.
7h40
